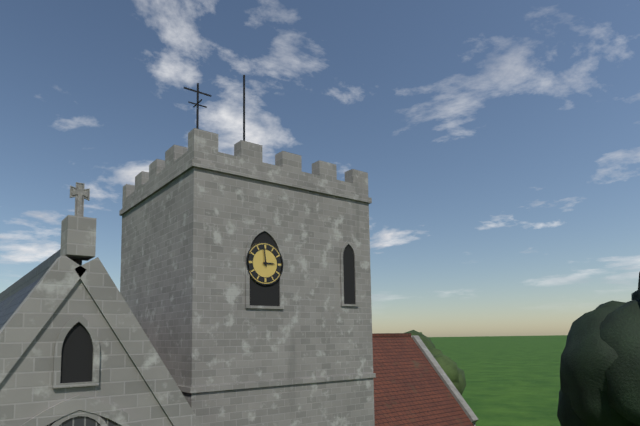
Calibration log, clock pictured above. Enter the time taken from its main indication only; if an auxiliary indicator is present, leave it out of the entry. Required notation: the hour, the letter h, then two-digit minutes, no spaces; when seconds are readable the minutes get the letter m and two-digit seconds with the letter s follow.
2h59
